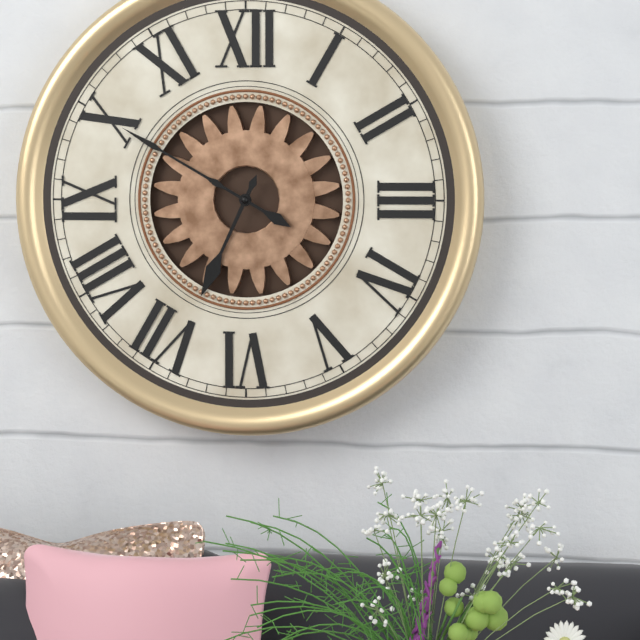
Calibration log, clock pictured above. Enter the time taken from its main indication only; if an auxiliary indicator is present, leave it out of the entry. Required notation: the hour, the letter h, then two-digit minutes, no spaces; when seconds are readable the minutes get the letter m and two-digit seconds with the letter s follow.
6h50
